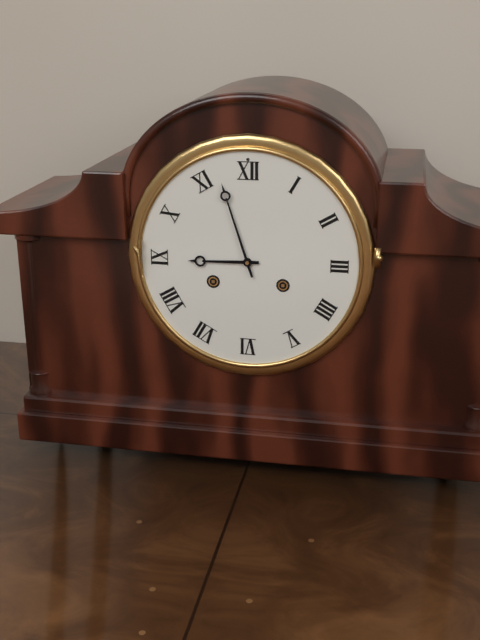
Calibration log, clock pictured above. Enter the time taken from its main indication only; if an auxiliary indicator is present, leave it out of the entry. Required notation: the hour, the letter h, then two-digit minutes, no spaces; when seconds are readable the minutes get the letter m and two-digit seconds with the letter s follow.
8h57
